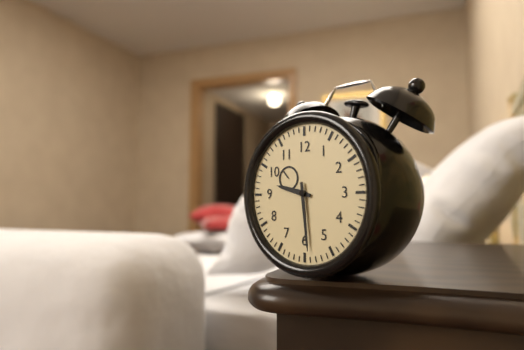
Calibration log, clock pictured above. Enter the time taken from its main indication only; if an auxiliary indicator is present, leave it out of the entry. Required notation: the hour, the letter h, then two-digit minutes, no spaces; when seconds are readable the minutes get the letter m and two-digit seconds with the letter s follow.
9h29
